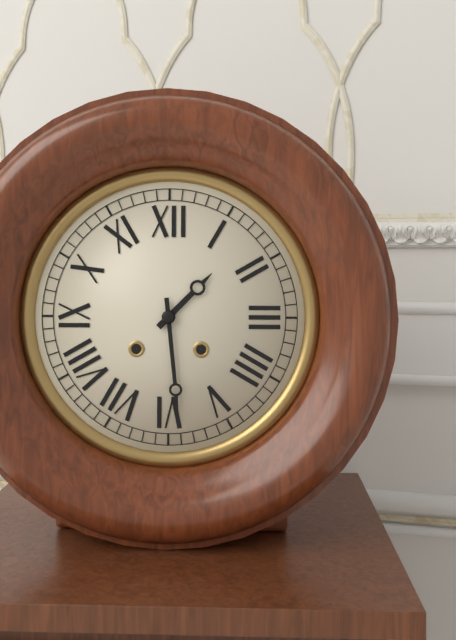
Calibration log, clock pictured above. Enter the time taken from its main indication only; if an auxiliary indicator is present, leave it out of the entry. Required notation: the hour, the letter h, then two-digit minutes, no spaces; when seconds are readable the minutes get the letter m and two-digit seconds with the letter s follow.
1h29
